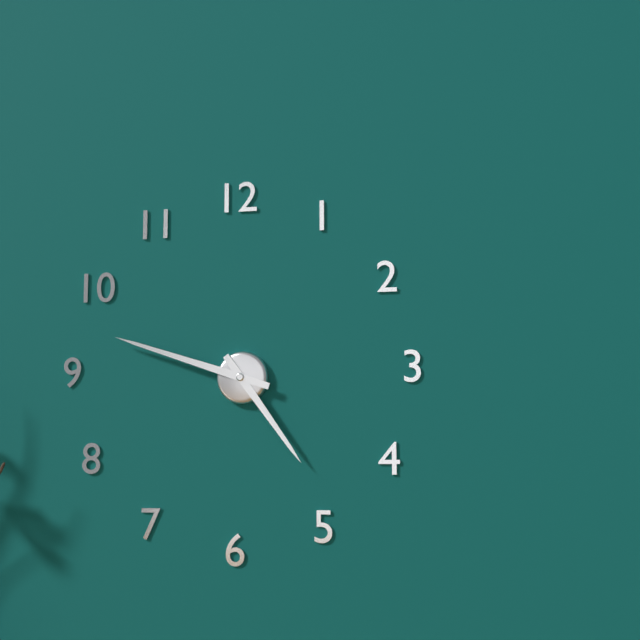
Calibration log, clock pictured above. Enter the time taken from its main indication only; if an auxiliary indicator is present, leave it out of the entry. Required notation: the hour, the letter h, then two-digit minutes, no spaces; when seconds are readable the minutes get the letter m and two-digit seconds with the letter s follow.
4h48
